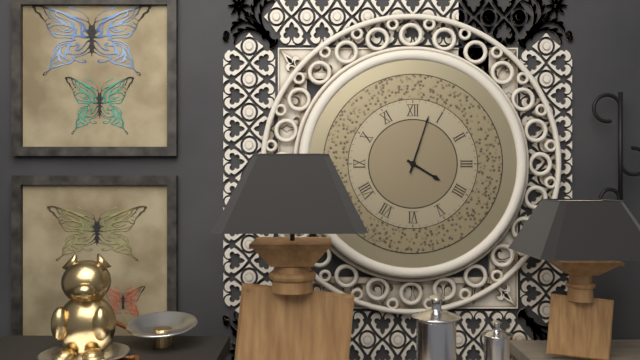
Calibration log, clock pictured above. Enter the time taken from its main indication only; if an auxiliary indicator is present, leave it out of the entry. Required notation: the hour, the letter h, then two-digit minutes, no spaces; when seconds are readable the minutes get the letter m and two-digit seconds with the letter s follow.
4h03
